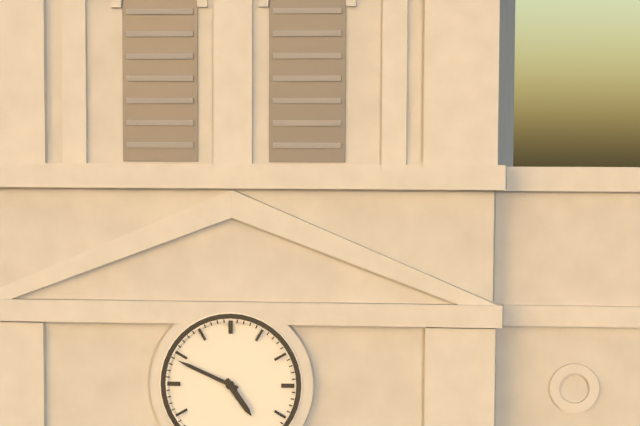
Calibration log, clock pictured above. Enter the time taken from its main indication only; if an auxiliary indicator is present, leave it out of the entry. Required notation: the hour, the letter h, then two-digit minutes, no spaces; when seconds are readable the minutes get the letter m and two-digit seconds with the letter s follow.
4h49
